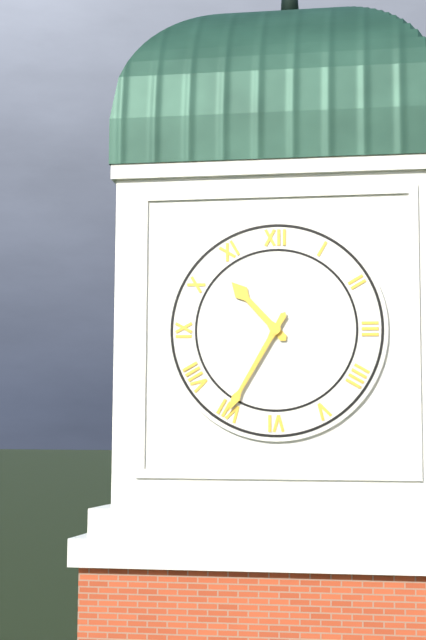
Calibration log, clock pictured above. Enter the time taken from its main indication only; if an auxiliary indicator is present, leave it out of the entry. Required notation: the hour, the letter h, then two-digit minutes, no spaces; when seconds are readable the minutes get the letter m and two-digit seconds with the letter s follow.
10h35
